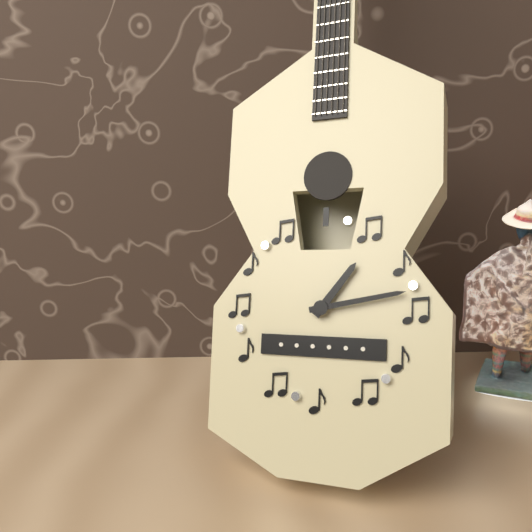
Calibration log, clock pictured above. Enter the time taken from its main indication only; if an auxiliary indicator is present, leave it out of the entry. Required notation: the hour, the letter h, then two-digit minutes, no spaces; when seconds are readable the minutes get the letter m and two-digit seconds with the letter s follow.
1h13
